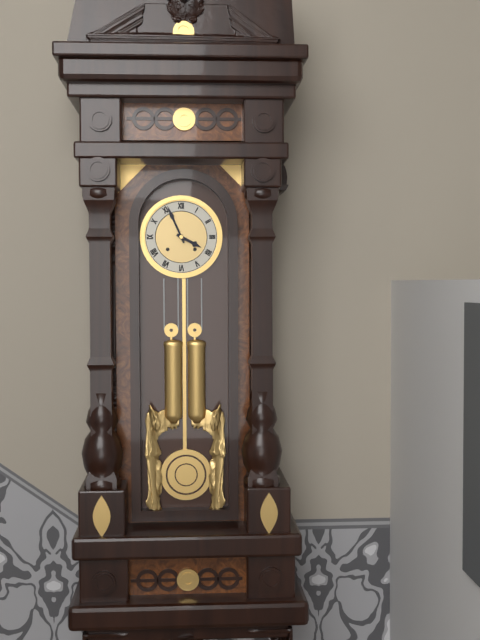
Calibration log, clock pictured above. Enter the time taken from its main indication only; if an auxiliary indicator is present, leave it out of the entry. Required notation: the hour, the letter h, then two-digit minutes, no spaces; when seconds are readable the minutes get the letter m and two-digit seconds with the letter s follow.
3h56
